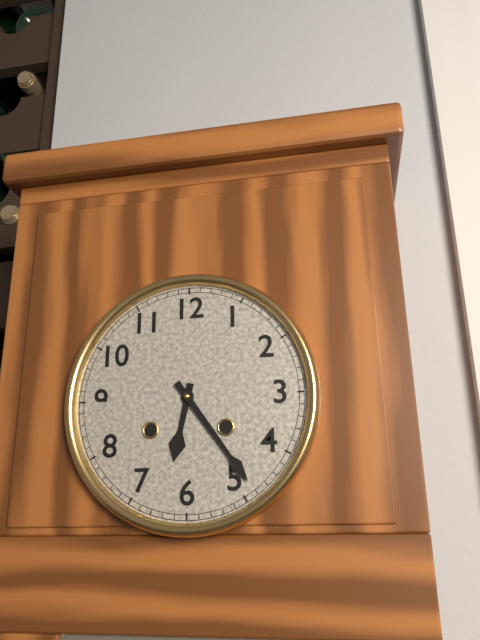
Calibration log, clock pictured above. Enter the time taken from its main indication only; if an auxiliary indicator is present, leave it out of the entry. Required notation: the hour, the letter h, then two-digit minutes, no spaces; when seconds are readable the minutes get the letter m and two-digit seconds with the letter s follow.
6h24
